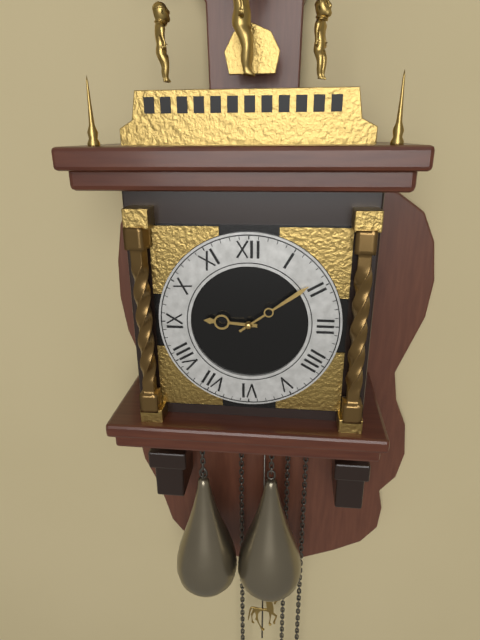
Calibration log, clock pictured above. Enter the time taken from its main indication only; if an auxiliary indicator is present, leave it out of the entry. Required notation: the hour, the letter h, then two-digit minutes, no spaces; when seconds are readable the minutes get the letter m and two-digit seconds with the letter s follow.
9h09
